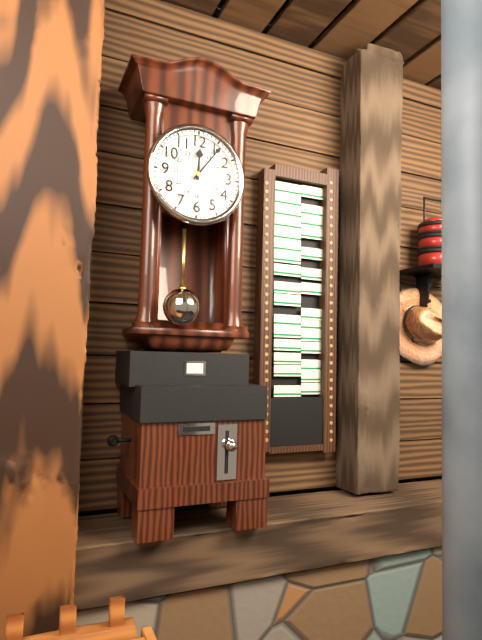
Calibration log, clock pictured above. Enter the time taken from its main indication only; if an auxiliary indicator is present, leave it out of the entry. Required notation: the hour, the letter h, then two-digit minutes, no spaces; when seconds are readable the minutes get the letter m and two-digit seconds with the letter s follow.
12h06
